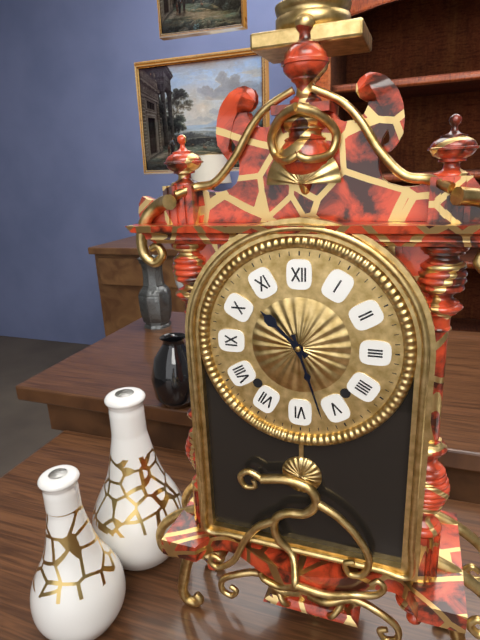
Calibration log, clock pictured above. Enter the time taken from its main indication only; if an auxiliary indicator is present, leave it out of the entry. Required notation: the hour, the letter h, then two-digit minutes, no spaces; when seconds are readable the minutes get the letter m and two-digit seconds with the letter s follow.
10h27
